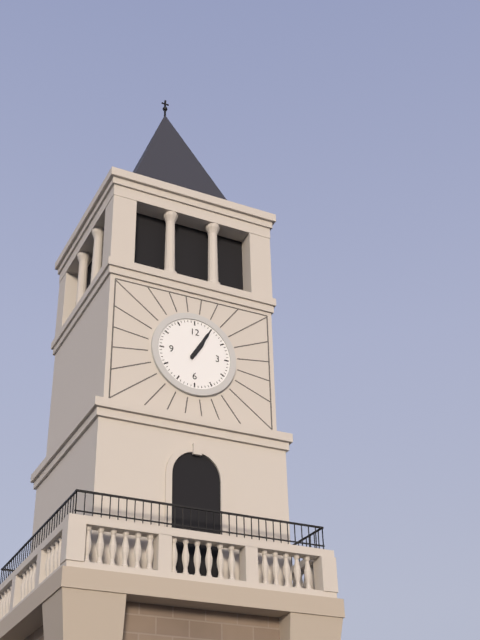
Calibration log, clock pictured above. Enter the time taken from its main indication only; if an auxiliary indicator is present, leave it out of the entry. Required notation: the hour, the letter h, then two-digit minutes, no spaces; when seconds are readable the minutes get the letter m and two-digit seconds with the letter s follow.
1h05
